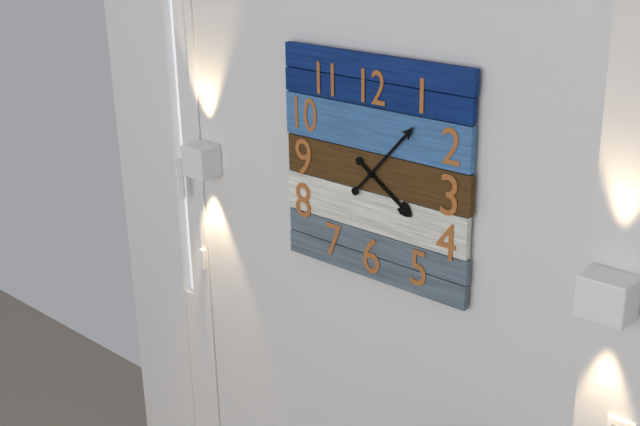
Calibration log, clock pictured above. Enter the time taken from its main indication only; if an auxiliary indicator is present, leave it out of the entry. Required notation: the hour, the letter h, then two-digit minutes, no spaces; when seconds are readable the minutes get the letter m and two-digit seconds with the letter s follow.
4h07
